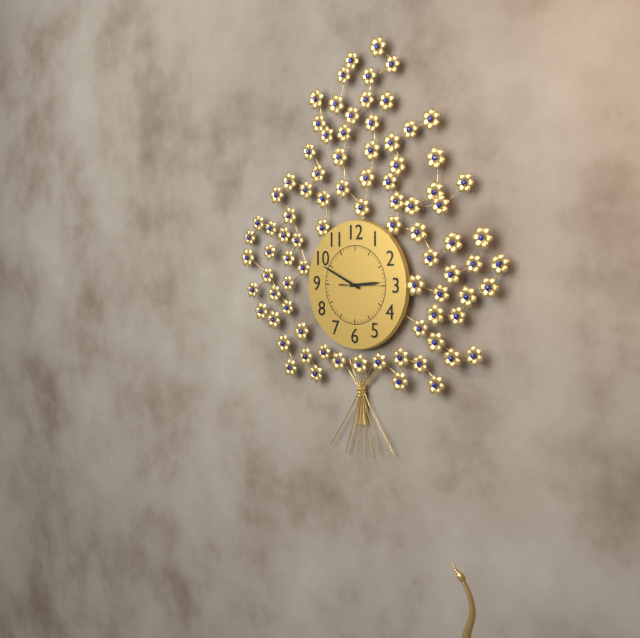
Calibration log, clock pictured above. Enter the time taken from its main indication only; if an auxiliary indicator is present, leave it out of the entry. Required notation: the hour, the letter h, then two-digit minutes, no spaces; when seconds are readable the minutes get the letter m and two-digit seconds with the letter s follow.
2h49
